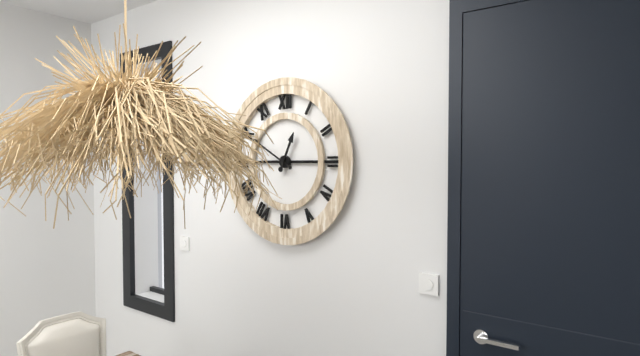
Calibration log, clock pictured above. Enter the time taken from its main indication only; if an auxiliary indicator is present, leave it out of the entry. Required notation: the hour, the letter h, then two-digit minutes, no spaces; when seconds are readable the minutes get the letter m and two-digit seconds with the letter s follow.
12h50
